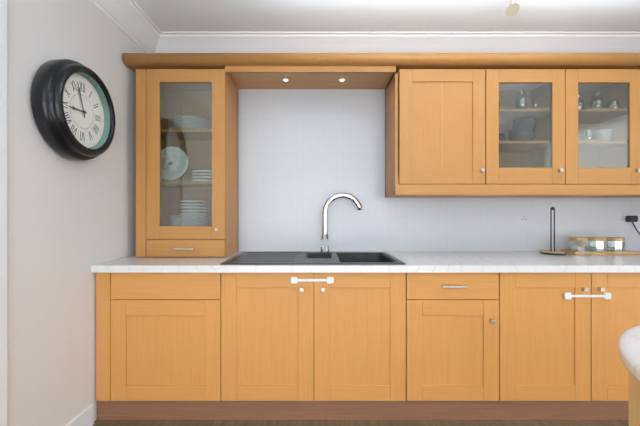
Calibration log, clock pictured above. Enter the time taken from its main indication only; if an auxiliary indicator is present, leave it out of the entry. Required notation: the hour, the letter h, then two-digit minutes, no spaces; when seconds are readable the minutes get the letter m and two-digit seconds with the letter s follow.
8h57
